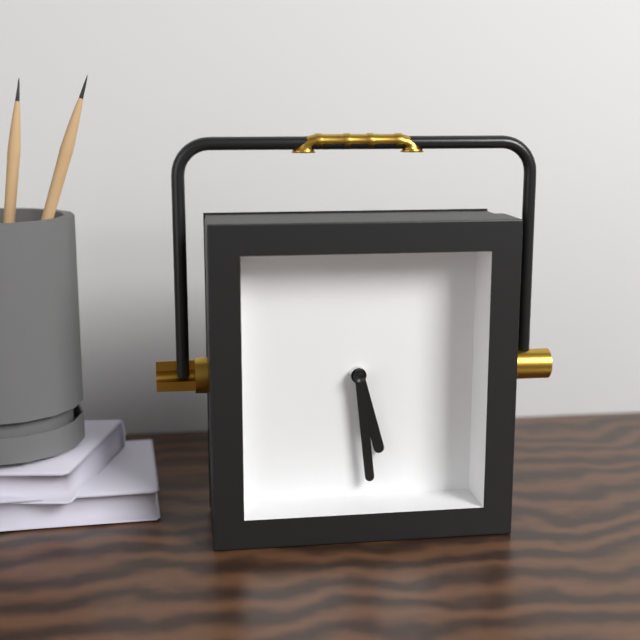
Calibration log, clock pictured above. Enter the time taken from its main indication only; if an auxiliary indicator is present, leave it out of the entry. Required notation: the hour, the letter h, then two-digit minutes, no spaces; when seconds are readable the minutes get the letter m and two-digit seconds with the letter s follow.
5h29
